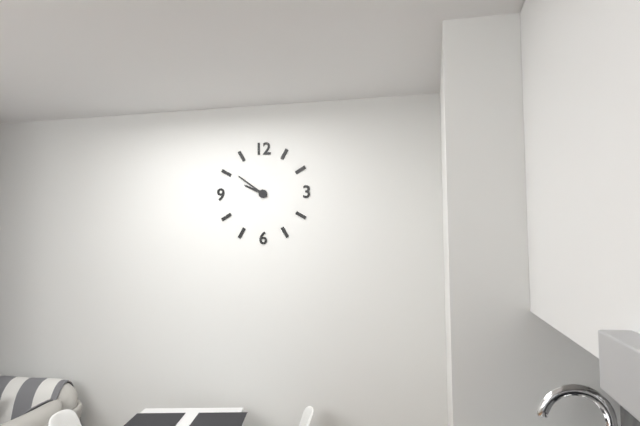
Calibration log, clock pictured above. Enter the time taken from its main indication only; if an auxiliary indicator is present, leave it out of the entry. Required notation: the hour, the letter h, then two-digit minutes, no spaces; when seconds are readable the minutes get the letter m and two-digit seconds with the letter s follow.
9h51
